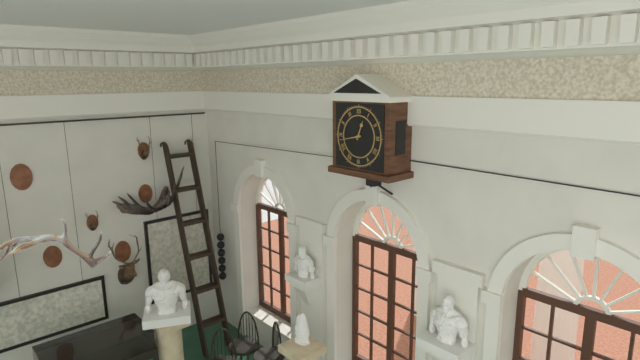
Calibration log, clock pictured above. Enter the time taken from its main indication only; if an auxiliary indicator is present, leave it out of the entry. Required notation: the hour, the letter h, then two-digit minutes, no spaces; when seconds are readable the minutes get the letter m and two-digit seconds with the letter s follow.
12h43
